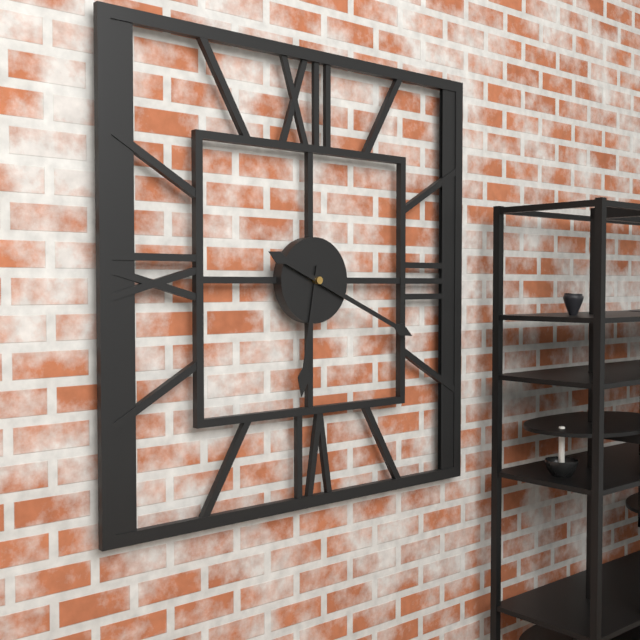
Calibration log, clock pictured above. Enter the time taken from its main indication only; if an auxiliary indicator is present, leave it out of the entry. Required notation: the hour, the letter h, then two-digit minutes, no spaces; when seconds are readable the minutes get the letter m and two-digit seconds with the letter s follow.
6h19
